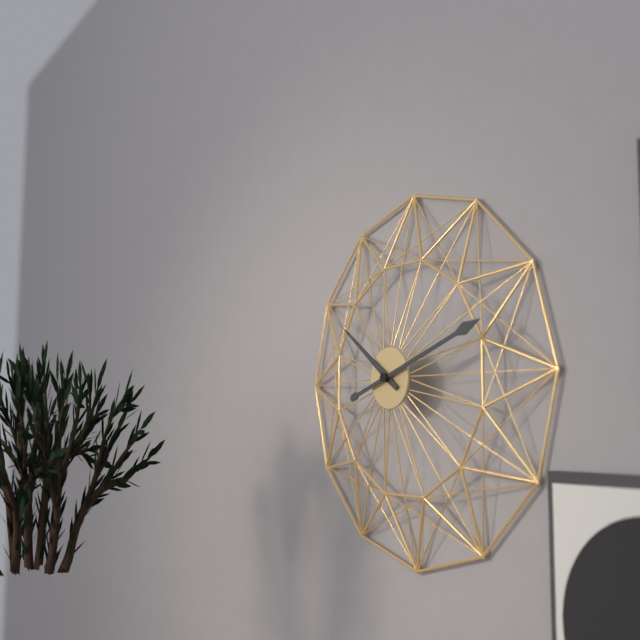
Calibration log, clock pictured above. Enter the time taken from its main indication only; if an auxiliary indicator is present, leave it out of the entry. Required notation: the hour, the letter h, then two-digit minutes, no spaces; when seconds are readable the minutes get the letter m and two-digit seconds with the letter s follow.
10h12
